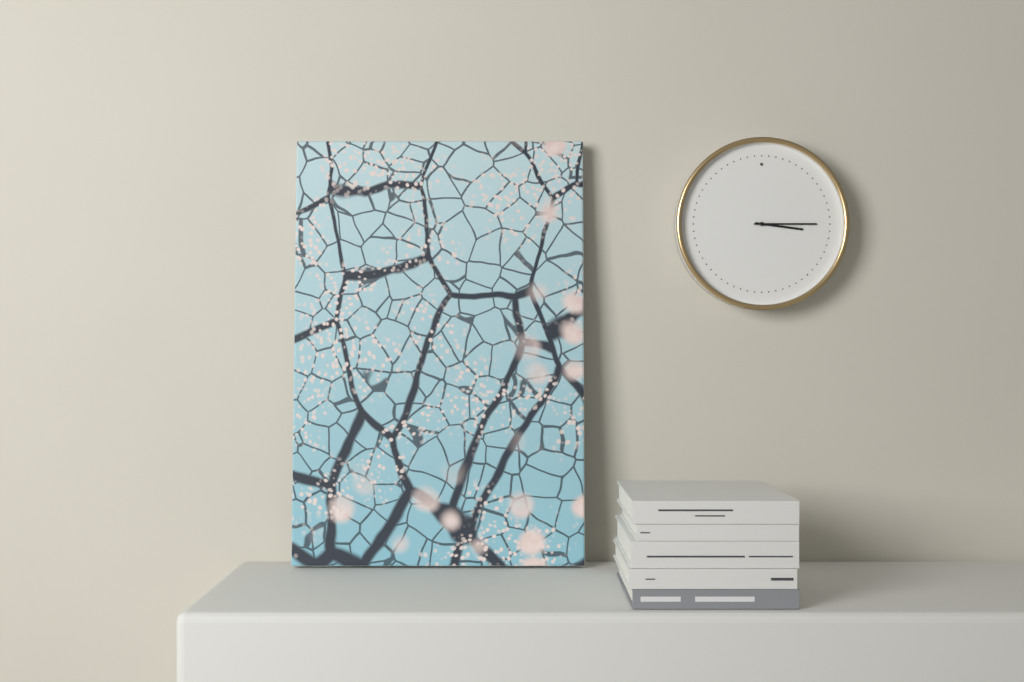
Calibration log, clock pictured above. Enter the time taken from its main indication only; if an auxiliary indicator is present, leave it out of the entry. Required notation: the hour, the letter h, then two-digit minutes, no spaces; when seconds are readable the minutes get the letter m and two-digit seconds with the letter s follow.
3h15
